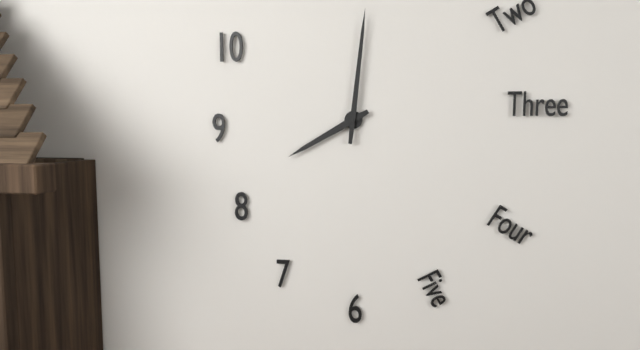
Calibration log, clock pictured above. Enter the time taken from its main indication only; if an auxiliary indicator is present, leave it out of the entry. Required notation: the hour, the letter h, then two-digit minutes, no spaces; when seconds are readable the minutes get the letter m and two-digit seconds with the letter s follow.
8h01
